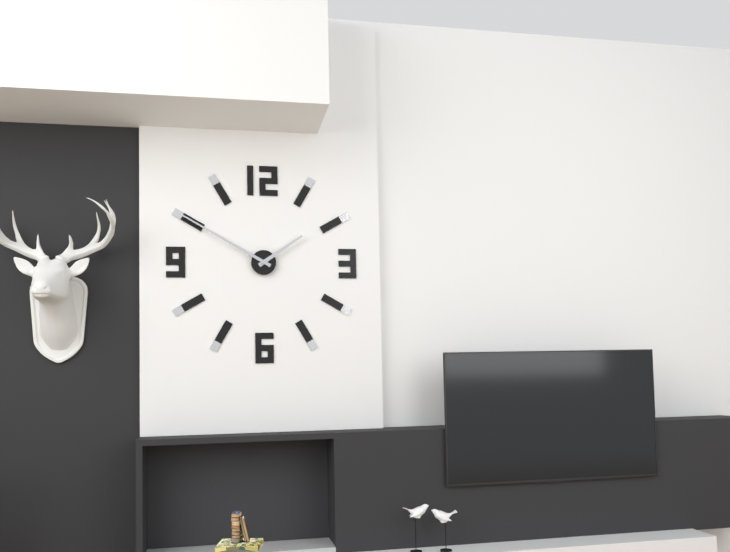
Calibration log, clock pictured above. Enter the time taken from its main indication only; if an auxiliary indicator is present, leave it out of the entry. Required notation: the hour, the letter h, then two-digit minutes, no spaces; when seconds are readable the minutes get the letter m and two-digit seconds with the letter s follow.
1h50
